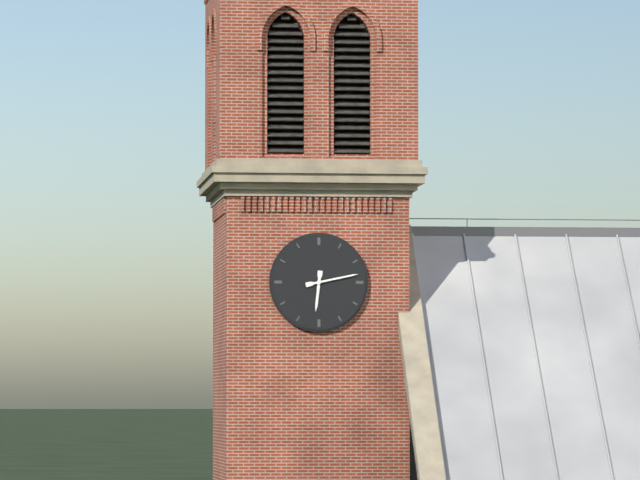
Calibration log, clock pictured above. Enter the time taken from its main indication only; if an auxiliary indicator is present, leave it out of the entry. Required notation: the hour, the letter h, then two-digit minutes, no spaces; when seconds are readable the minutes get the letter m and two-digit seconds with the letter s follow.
6h13
